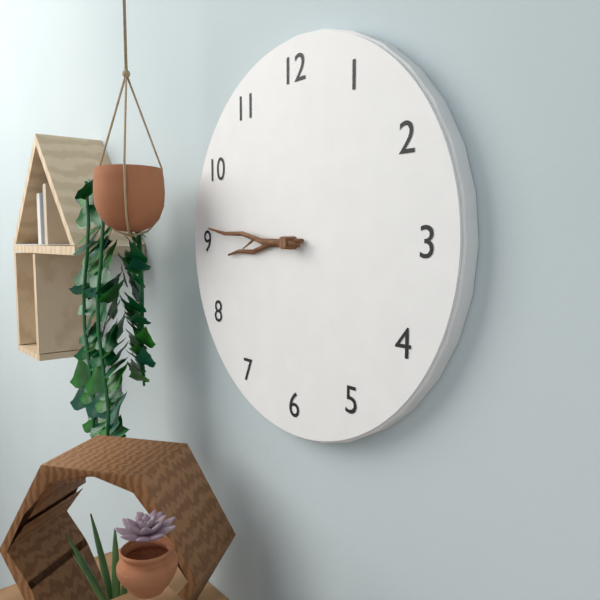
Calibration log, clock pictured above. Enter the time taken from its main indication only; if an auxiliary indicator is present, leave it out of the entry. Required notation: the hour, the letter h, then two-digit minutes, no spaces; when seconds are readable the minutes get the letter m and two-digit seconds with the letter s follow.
8h46
